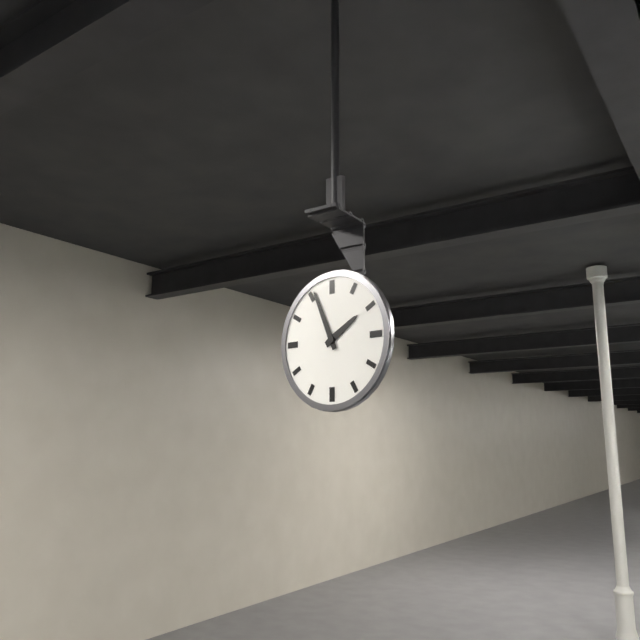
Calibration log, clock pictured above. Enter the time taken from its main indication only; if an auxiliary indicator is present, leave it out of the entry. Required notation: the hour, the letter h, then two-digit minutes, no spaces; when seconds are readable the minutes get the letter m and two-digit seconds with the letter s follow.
1h56
